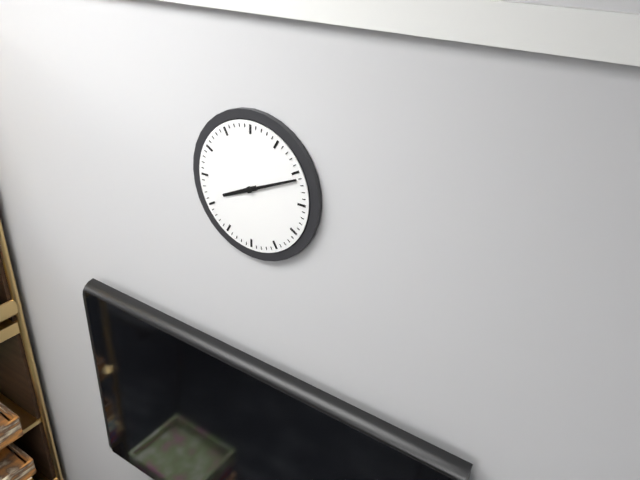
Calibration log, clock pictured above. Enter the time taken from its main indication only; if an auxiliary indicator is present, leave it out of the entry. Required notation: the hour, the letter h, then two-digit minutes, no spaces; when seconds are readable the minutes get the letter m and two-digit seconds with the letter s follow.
8h11
